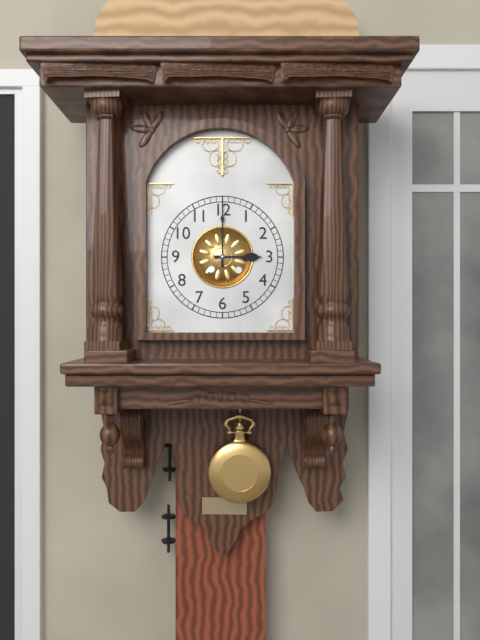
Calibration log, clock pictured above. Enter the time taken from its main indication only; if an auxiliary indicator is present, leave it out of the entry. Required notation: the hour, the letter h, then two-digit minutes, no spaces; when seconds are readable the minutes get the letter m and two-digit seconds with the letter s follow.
3h00
